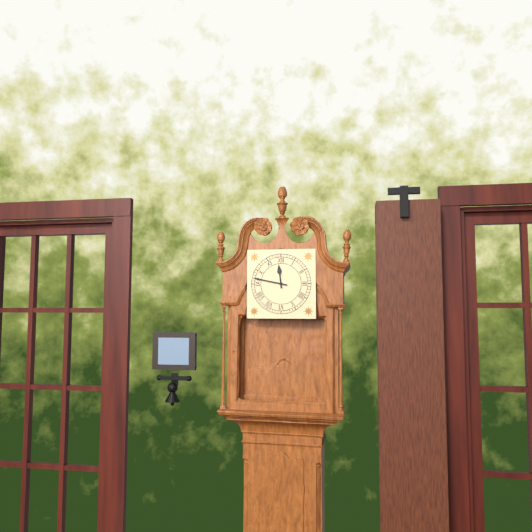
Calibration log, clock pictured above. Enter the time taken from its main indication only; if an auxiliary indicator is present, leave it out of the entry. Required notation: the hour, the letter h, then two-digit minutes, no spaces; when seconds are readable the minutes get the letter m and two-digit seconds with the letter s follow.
11h47
